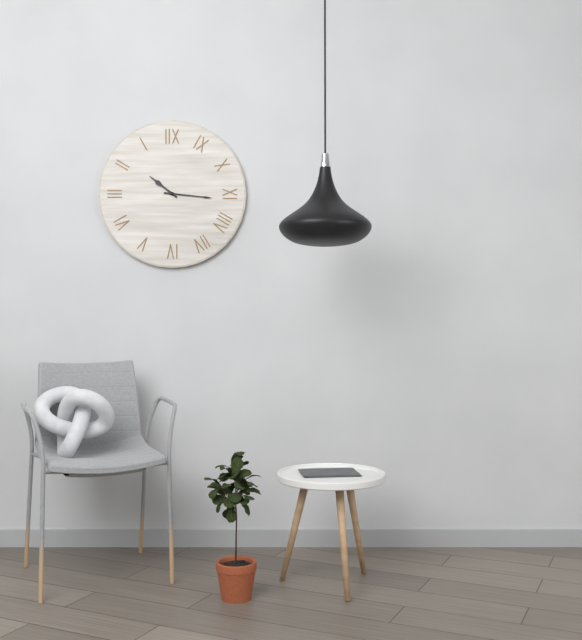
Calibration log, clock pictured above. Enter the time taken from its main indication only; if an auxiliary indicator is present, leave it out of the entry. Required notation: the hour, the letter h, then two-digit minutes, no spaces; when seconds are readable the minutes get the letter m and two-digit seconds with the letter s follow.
10h16
